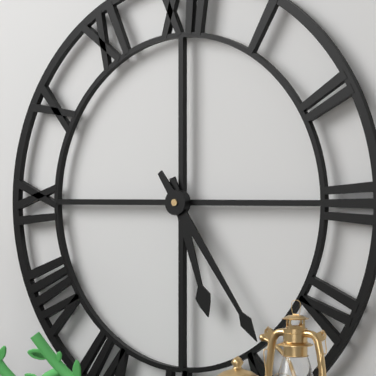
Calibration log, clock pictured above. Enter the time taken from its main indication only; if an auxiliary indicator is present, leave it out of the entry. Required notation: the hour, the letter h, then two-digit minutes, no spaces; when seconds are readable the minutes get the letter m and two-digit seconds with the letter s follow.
5h24
